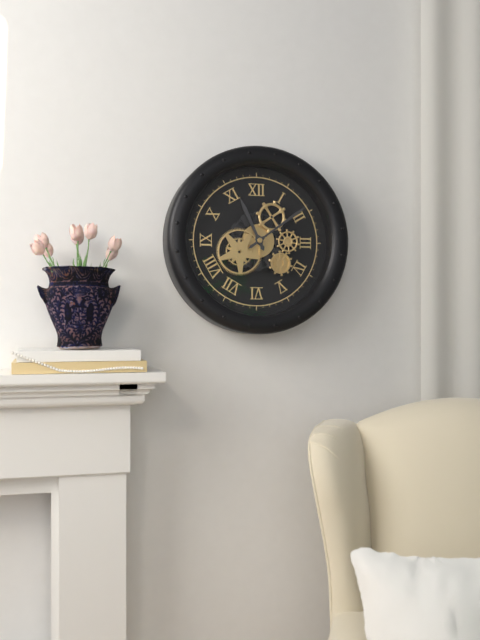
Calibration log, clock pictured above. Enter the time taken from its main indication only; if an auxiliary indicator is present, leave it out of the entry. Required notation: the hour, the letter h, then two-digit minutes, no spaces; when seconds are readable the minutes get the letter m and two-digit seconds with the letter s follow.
11h09
